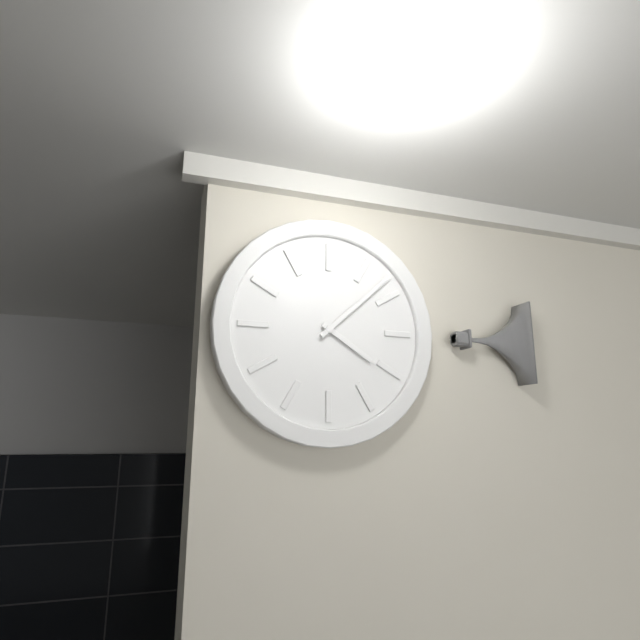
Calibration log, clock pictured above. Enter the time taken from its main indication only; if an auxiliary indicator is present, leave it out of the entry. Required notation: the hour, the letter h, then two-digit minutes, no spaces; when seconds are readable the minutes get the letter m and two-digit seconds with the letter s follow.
4h08
